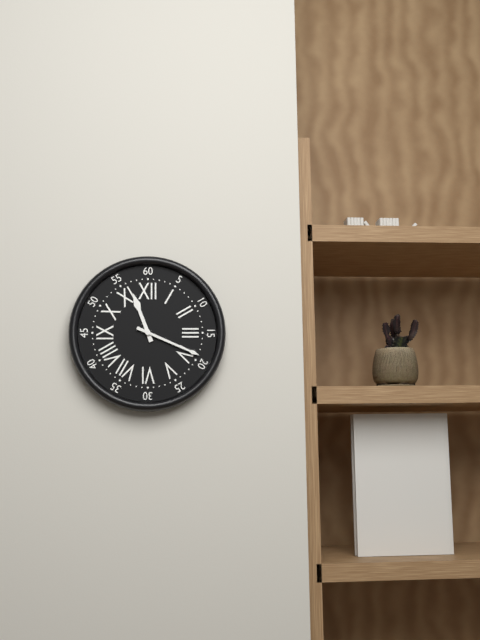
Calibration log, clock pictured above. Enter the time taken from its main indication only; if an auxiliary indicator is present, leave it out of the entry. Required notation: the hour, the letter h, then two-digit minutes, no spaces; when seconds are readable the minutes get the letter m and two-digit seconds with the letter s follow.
11h19
